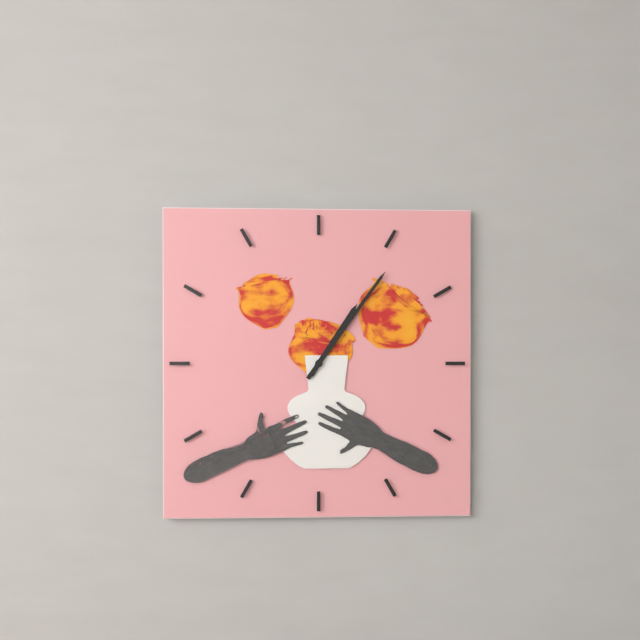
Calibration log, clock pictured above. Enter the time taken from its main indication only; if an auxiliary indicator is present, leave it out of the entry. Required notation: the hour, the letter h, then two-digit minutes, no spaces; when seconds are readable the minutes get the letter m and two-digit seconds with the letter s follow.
1h06
